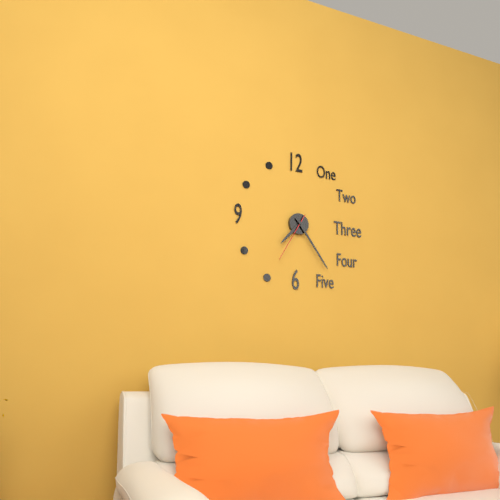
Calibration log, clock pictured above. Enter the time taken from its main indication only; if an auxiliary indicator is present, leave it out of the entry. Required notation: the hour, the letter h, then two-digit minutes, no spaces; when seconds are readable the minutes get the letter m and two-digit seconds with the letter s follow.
7h24
